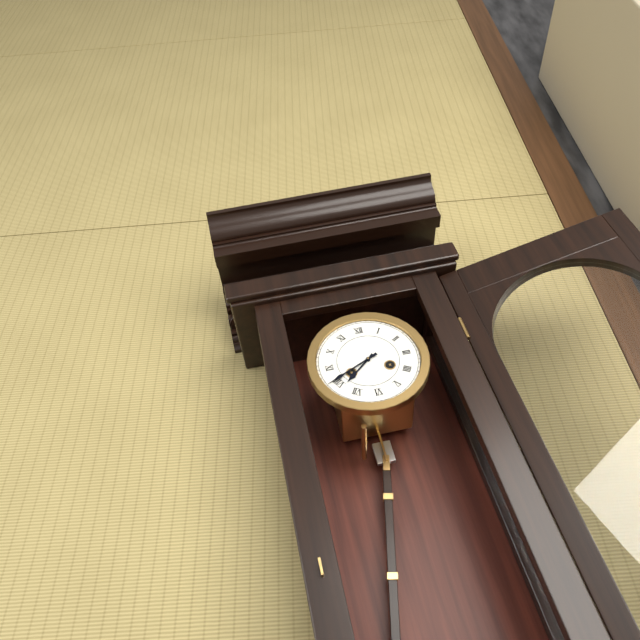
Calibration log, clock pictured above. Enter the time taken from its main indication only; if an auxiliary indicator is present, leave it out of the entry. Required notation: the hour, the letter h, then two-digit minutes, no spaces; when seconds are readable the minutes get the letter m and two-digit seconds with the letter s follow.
7h41
